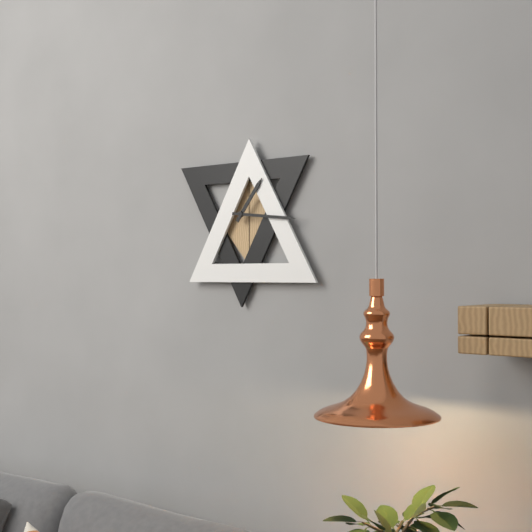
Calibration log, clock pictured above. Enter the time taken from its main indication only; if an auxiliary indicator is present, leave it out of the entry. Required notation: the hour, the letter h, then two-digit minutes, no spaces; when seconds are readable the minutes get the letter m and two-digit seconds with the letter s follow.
1h16
